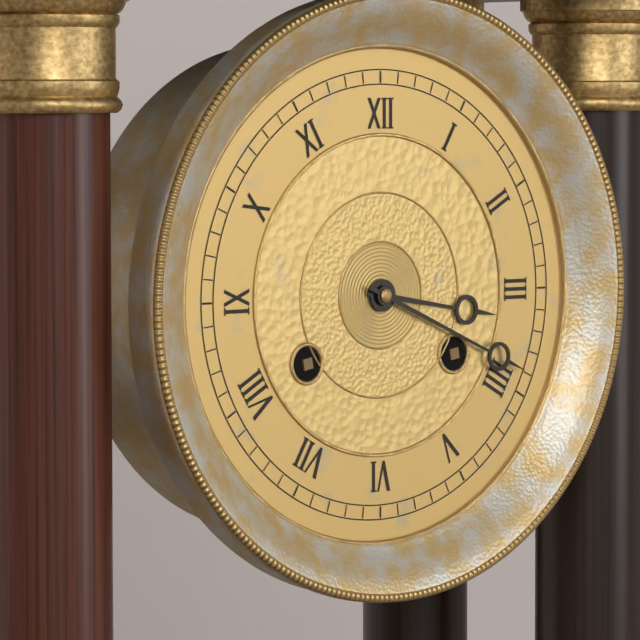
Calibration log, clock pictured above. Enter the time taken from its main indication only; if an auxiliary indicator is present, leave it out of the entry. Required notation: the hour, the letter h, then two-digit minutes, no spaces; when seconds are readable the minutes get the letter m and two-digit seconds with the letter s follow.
3h19
